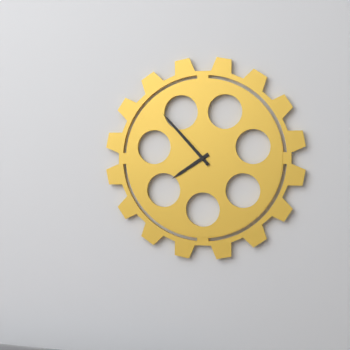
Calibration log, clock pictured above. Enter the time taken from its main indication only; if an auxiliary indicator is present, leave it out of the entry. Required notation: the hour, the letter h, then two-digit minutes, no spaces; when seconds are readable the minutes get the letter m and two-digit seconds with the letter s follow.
7h53
